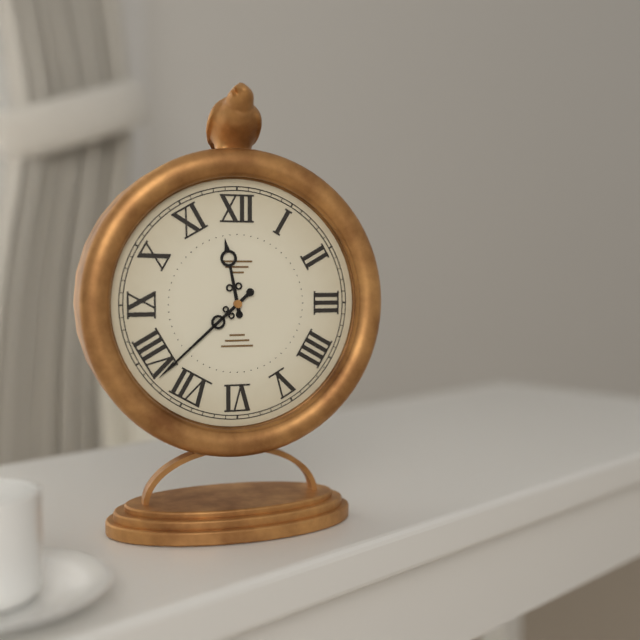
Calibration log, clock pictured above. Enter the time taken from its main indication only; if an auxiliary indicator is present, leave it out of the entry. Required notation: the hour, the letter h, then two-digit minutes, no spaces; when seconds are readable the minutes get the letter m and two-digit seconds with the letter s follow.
11h38
